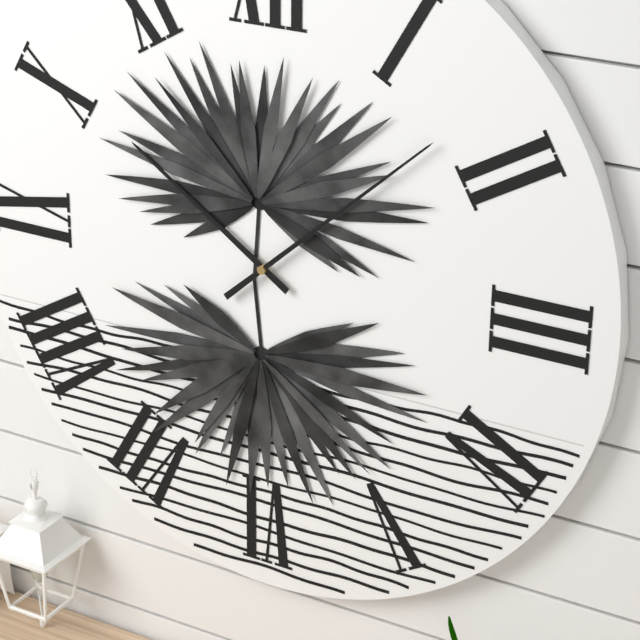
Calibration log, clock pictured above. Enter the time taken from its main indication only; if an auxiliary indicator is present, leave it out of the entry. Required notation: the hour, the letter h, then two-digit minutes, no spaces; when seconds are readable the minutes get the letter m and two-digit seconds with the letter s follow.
10h08
